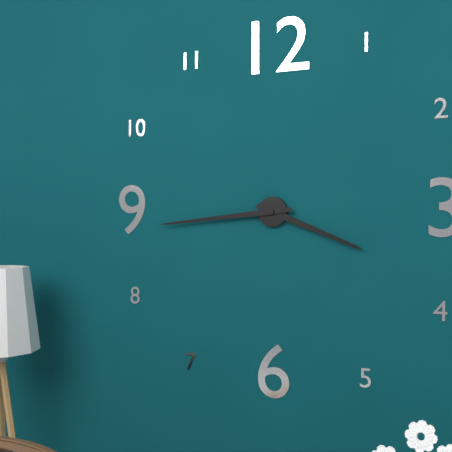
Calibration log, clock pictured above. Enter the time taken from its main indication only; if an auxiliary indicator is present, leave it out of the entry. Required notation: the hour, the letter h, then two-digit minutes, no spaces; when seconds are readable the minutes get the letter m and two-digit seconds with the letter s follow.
3h44
